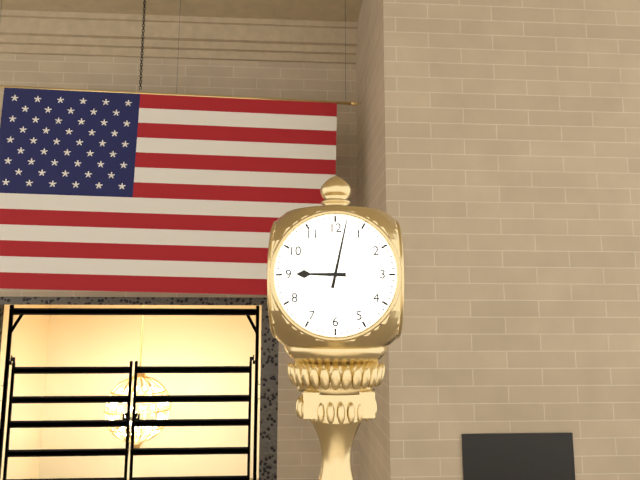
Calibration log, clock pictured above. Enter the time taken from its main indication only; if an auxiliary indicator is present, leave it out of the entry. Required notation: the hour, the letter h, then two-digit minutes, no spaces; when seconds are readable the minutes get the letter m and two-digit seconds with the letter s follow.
9h02
